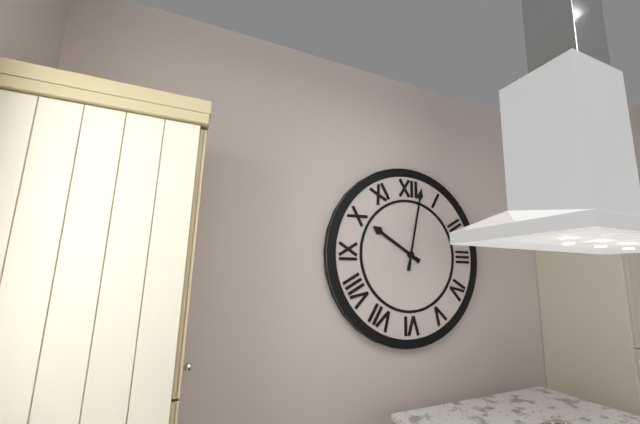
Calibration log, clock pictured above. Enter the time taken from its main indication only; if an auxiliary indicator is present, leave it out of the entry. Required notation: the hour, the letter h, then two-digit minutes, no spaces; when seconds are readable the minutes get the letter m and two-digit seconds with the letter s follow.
10h02
